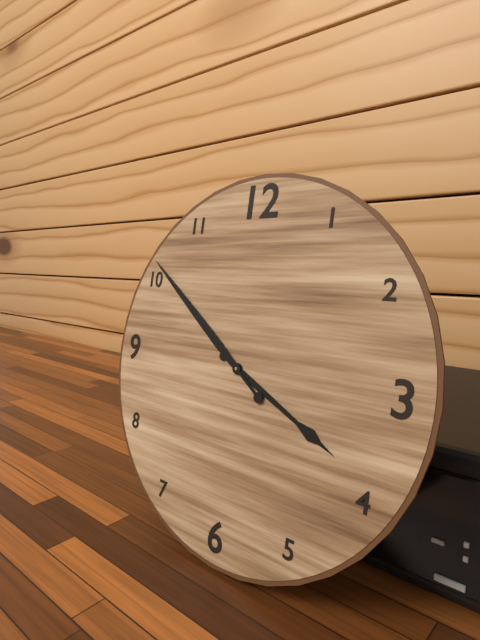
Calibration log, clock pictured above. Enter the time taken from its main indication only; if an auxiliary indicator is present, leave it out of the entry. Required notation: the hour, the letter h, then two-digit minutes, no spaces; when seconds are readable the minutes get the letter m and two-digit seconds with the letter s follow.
3h51
